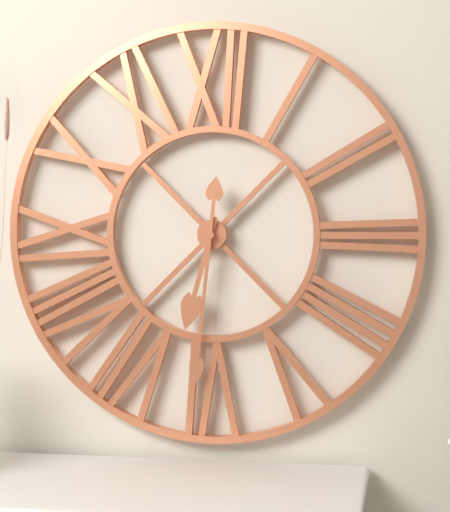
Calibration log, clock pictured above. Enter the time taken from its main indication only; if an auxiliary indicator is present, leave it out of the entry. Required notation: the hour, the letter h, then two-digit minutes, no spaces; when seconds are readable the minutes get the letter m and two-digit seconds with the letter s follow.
6h31
